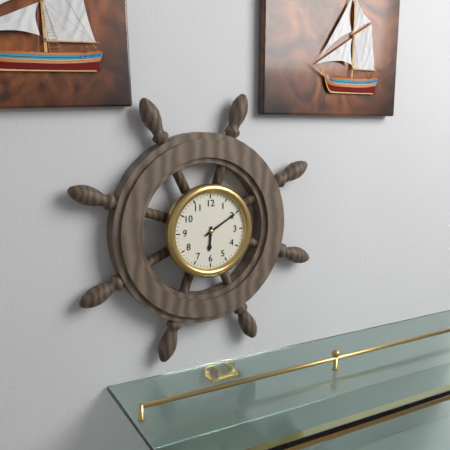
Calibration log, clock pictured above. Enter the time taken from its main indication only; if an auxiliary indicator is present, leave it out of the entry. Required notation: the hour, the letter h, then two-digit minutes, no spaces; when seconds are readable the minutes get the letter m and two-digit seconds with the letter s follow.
6h10
